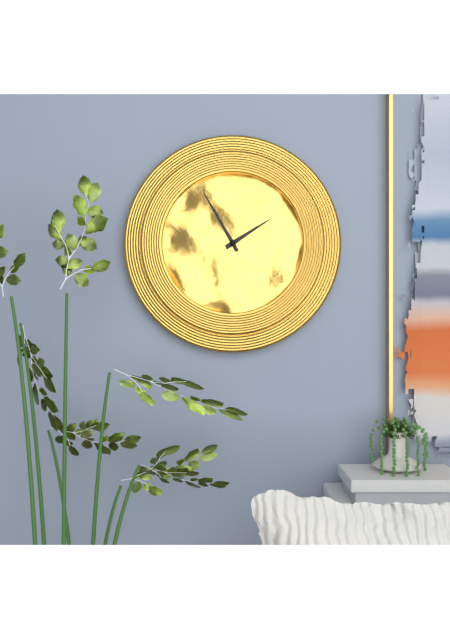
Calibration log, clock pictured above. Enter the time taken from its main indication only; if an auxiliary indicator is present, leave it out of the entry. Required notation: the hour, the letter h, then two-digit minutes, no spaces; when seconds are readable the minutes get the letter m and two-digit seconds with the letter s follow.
1h55
